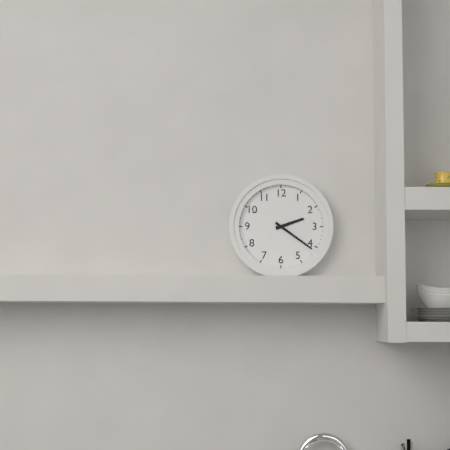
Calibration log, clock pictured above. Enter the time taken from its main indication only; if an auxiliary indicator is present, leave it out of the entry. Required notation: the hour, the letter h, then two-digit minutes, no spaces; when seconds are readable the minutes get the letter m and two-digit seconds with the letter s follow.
2h21
